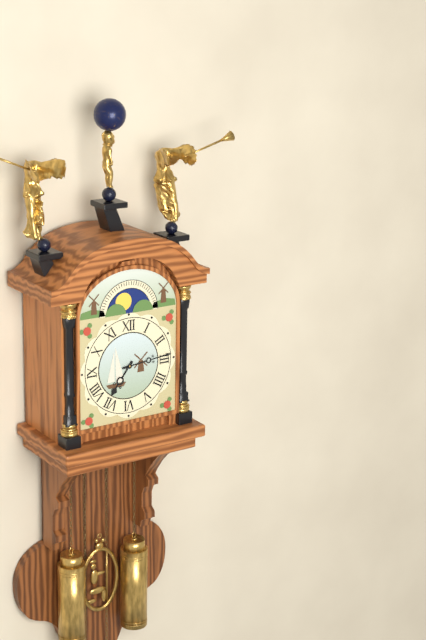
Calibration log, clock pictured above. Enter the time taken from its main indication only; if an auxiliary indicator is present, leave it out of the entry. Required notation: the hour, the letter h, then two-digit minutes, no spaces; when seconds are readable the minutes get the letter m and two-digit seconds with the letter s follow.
7h14
